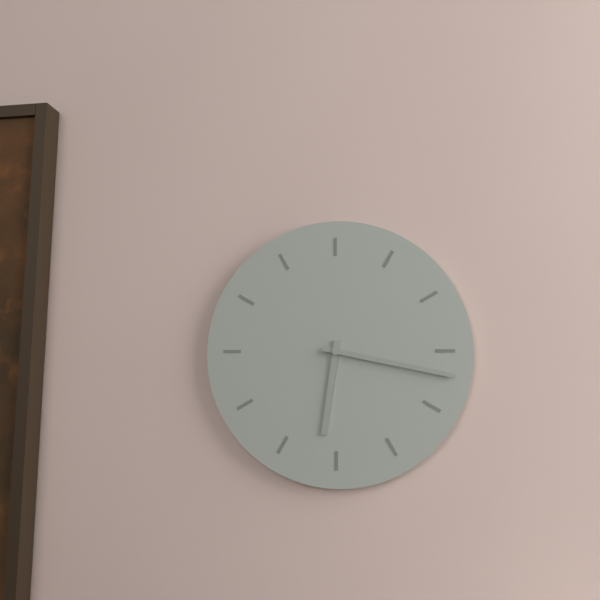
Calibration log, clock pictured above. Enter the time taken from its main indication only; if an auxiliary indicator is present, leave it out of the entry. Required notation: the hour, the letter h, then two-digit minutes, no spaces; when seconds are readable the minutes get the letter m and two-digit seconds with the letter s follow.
6h17
